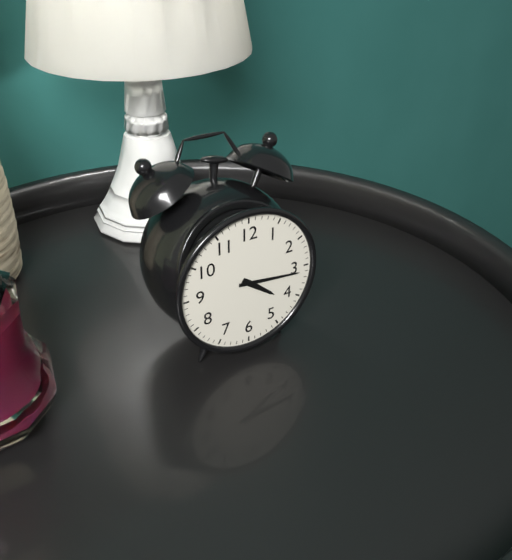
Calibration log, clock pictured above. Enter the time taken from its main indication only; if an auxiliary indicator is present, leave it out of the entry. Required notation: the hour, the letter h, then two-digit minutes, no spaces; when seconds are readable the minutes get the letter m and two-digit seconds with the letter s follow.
4h16
